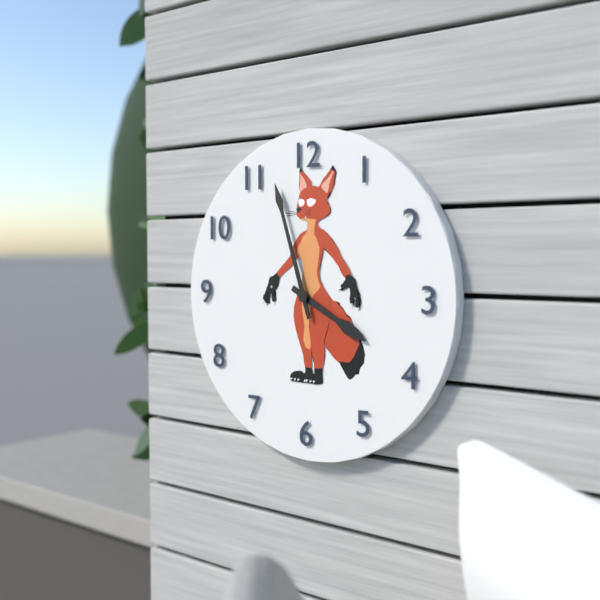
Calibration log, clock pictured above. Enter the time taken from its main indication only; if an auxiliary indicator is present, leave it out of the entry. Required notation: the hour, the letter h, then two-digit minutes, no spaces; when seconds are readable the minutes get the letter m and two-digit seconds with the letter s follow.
3h57
